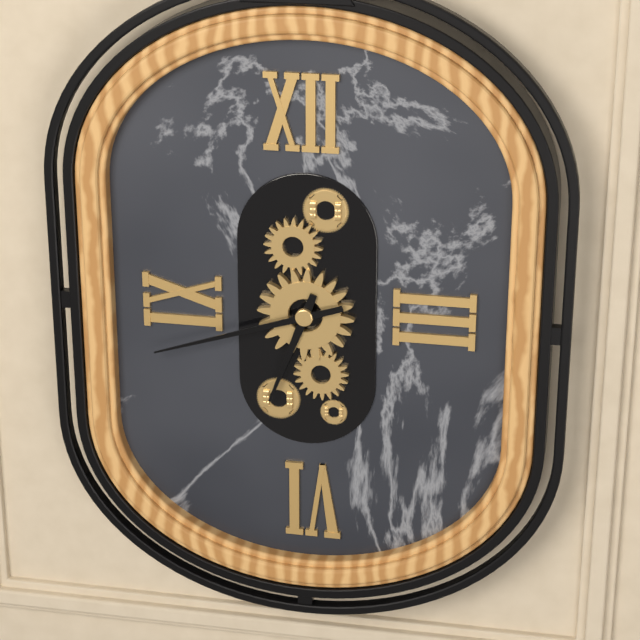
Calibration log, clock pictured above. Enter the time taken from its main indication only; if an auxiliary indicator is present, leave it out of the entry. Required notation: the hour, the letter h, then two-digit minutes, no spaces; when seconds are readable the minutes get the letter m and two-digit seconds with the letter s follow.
6h42
